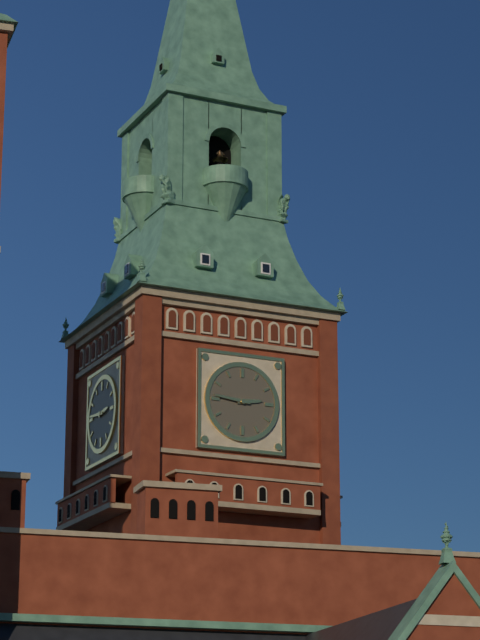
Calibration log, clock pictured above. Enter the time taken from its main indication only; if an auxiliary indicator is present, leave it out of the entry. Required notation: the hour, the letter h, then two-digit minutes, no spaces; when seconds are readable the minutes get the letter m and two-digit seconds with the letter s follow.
2h46
